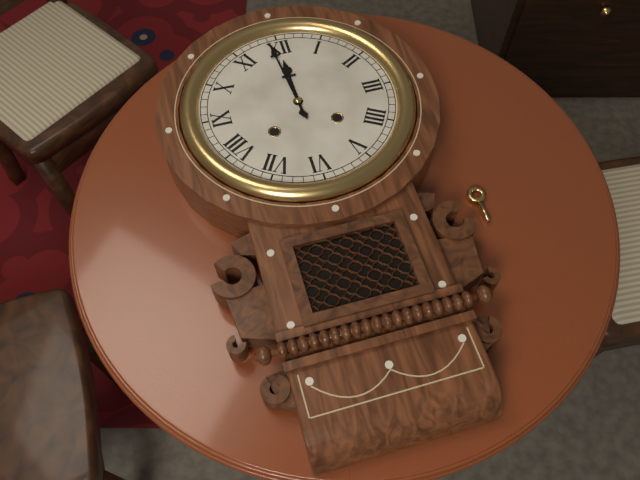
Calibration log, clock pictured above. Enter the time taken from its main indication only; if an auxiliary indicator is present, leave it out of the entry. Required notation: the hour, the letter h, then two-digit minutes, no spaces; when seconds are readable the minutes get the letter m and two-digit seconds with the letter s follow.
11h59
